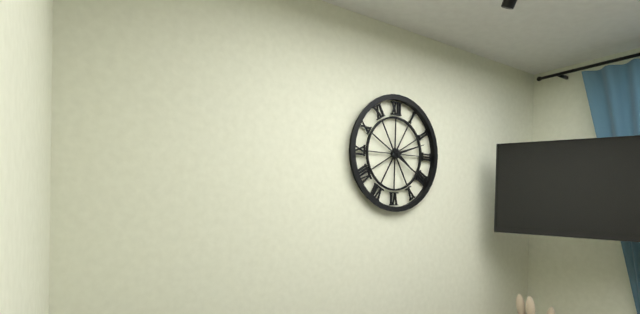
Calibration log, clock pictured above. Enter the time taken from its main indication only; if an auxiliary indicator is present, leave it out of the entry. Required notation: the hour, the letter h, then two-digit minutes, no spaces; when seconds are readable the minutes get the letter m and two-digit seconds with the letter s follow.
4h12
